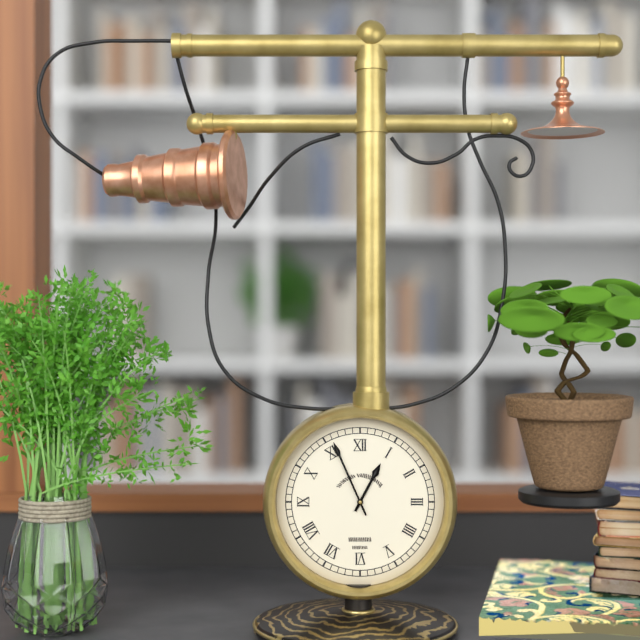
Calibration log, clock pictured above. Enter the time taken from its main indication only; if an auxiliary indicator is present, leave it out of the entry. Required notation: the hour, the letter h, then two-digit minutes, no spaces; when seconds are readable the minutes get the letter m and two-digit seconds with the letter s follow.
12h56
